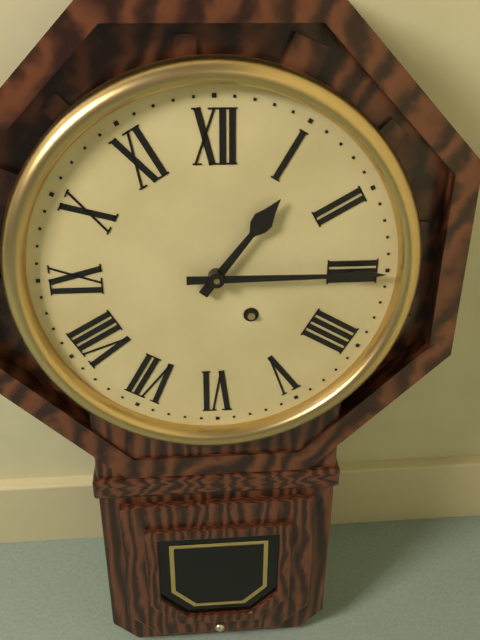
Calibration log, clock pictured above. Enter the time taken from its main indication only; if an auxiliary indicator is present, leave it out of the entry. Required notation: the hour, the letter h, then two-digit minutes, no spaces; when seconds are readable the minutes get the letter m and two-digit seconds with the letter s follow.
1h15
